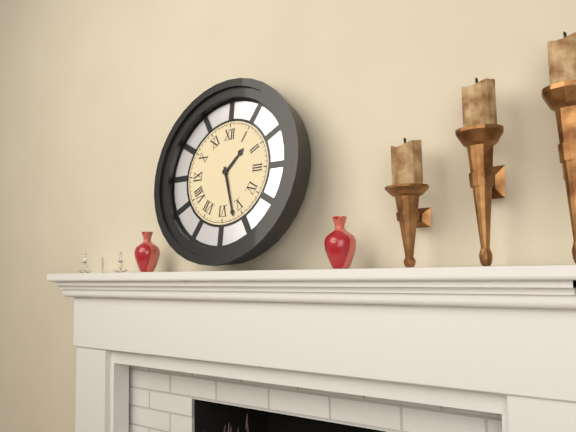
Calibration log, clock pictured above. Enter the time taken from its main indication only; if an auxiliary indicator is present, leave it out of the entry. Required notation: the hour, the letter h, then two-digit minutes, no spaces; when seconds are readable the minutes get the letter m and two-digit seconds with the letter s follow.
1h27
